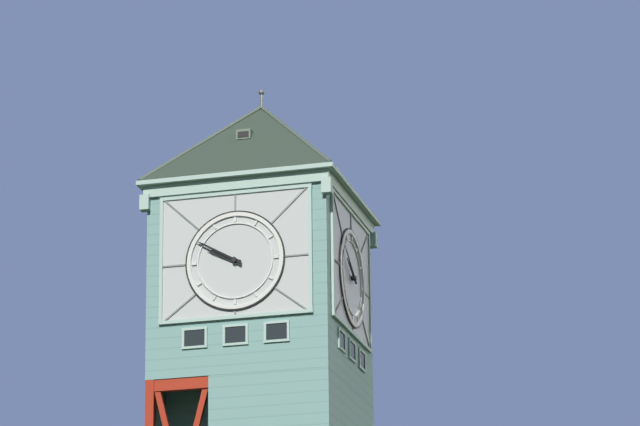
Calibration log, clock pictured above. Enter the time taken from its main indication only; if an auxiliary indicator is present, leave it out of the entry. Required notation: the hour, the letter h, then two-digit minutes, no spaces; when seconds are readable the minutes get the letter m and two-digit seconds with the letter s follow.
9h50
